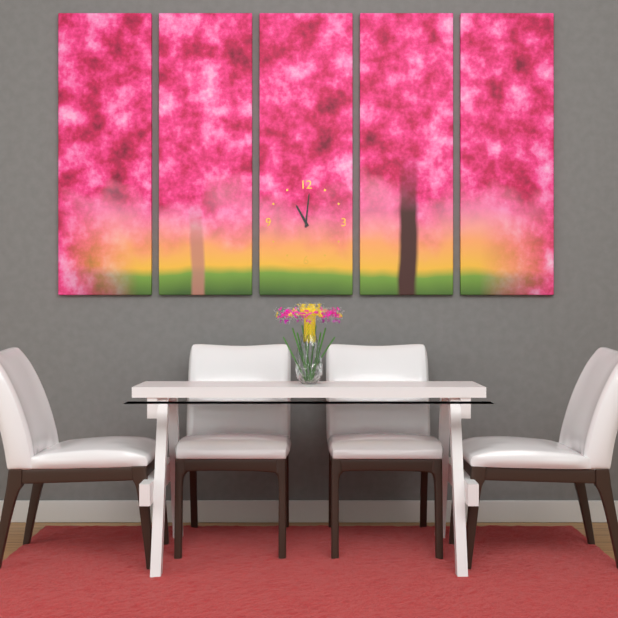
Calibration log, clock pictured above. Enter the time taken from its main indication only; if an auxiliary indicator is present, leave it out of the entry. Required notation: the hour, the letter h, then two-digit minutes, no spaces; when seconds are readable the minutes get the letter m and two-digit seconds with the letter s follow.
11h01
